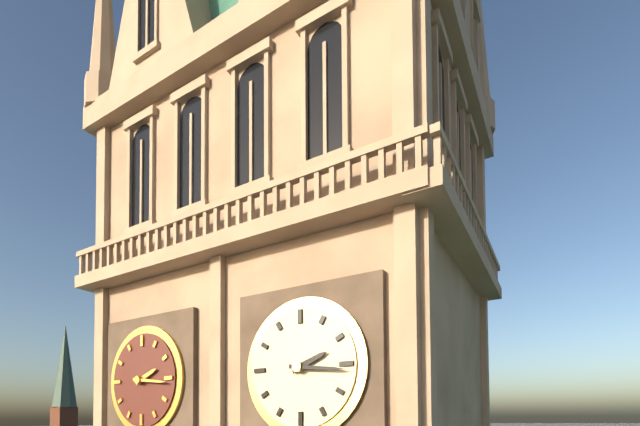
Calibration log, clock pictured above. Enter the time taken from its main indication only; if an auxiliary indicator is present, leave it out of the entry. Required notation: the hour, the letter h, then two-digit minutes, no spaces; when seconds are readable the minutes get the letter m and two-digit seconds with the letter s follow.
2h16
